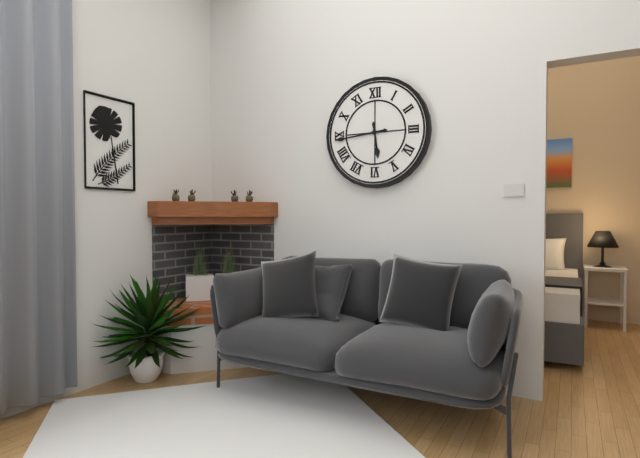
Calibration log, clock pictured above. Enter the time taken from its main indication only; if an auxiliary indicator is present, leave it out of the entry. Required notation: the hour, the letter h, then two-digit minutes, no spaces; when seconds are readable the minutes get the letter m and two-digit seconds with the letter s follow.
5h44
